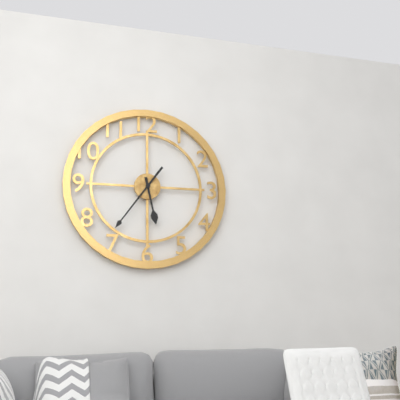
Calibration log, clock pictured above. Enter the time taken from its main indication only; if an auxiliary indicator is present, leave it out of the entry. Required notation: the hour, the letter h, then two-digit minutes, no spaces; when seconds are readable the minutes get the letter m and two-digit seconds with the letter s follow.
5h36
